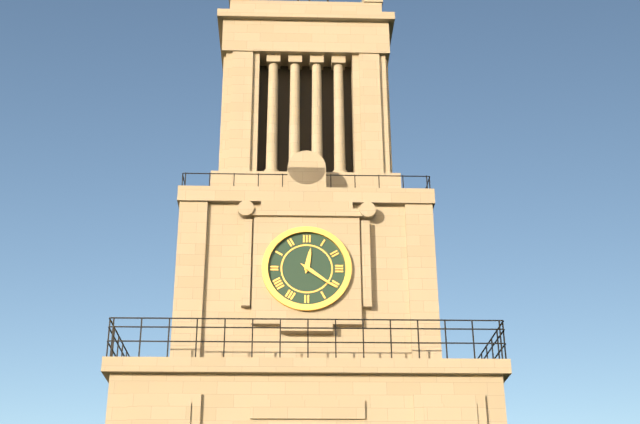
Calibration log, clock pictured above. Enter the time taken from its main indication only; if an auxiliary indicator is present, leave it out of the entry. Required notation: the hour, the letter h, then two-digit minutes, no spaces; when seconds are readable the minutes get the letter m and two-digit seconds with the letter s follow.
12h21
